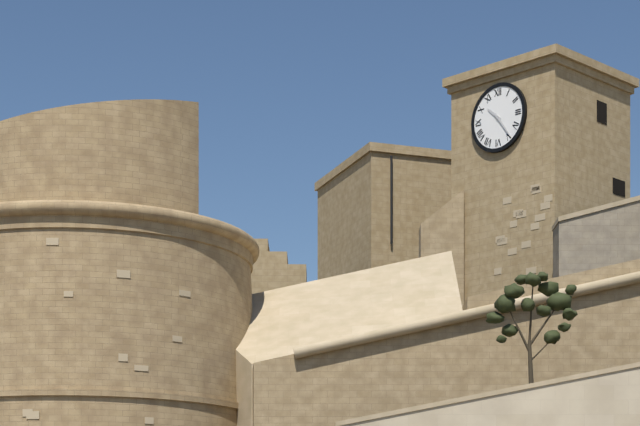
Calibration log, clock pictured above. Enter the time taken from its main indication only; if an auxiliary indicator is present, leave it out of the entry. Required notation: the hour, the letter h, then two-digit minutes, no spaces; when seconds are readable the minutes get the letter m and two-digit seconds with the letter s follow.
10h24
